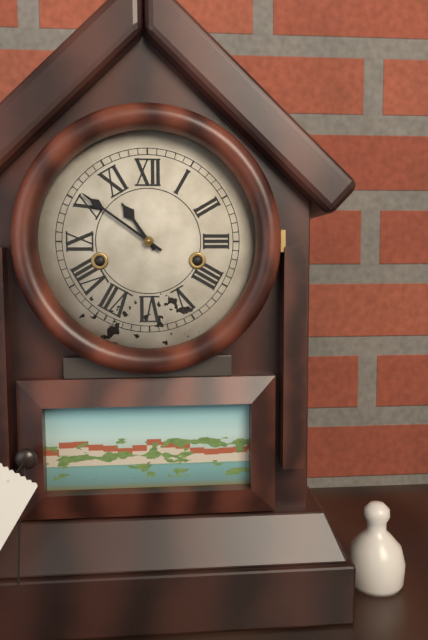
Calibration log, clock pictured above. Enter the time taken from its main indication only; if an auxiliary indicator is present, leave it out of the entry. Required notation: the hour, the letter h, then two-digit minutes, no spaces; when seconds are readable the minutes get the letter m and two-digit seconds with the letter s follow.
10h51
